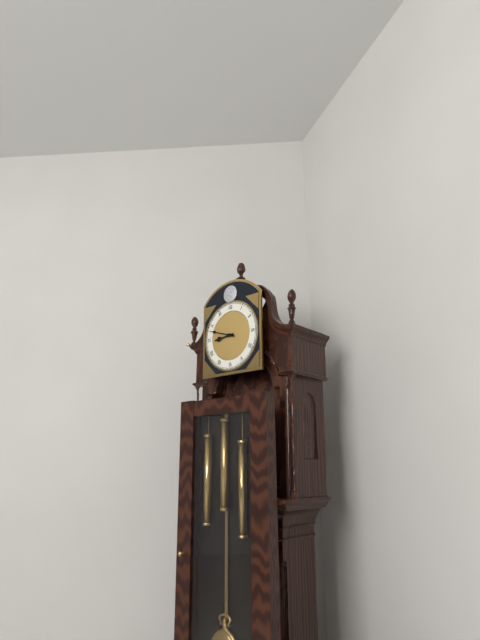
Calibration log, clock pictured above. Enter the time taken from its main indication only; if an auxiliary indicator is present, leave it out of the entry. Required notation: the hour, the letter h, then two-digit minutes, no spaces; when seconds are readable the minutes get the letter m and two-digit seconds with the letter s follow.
8h48
